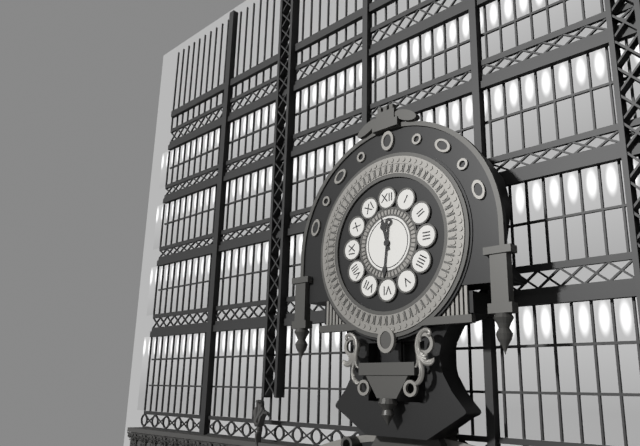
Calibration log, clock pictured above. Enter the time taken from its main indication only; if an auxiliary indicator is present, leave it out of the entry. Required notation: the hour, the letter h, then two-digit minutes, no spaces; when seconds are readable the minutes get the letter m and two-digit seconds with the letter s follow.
11h31
